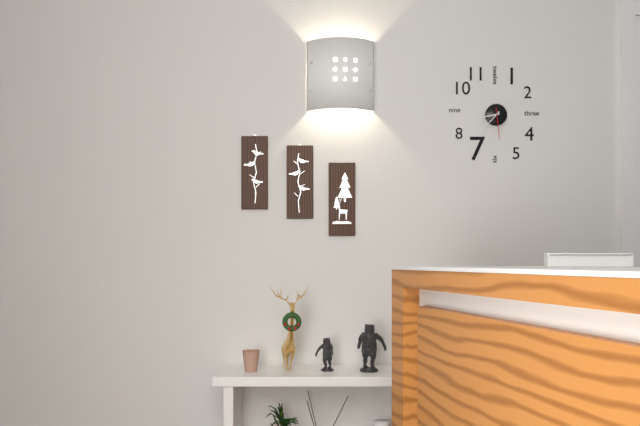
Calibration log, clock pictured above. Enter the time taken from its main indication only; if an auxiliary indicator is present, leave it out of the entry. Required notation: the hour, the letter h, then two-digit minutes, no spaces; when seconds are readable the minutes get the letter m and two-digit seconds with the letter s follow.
8h37
